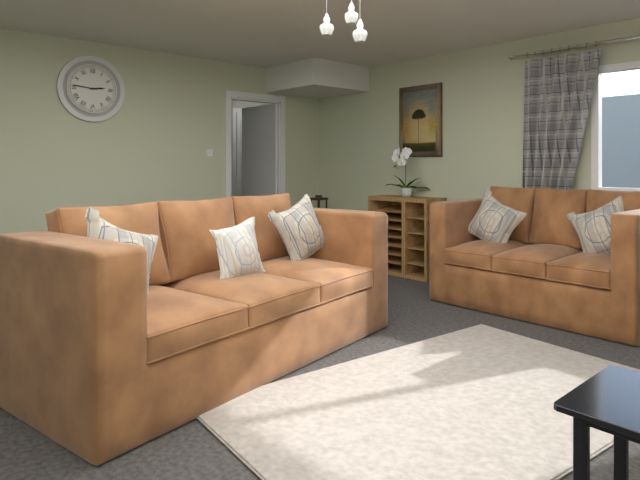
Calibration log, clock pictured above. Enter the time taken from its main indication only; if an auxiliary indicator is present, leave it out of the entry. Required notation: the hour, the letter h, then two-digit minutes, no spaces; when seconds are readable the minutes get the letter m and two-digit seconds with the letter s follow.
2h46
